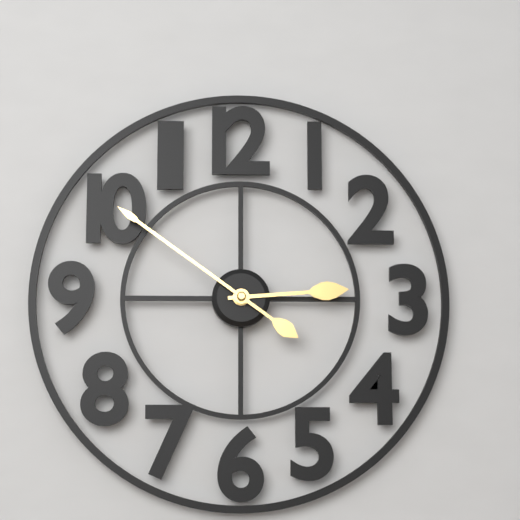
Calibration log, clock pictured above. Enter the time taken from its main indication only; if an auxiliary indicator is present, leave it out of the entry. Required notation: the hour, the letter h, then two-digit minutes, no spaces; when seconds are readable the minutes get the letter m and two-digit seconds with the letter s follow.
2h51
